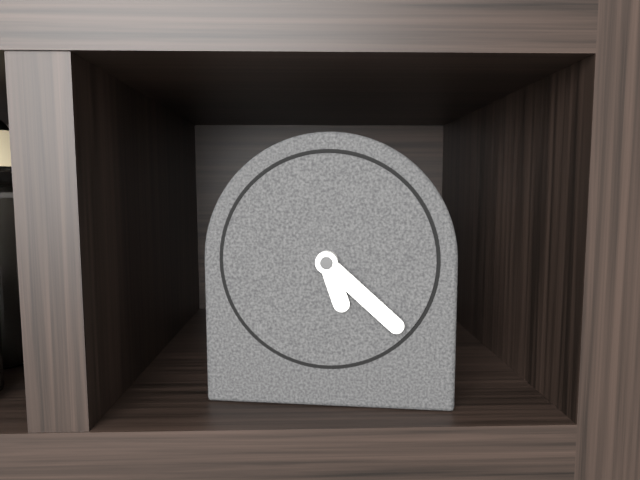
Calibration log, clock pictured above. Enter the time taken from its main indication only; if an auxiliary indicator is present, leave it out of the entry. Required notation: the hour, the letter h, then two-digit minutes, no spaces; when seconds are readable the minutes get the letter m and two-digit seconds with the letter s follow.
5h22
